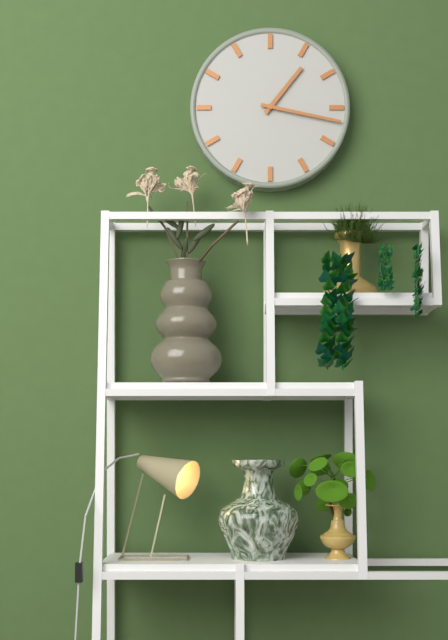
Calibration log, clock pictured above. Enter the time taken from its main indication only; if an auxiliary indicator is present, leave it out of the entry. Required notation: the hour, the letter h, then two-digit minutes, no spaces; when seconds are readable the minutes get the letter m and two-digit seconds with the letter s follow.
1h17
